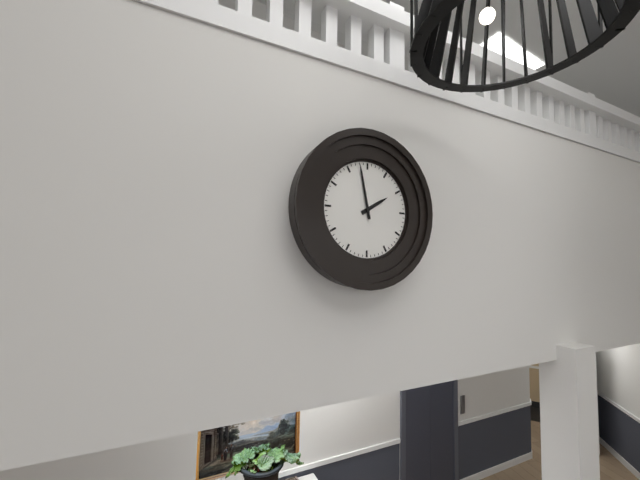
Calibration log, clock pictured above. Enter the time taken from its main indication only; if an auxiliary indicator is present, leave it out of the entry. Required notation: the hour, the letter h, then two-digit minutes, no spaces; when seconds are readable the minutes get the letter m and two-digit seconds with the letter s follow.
1h58
